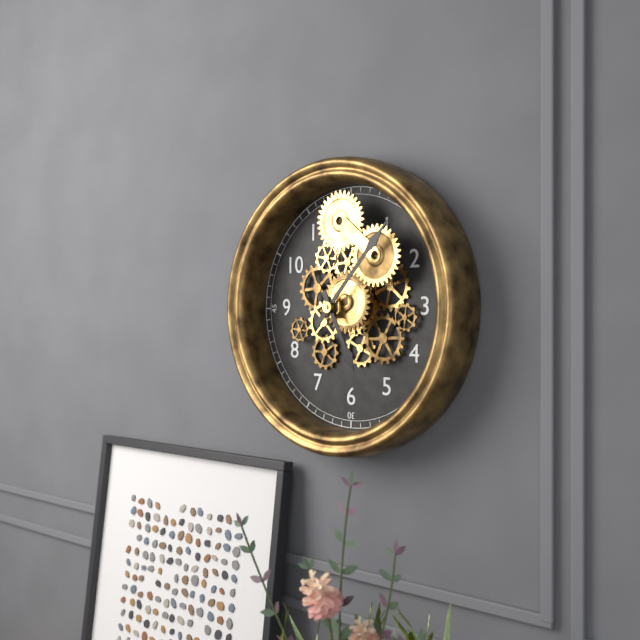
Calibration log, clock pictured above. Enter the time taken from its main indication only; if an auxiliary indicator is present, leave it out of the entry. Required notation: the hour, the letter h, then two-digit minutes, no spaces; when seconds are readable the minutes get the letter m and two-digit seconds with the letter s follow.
5h07
